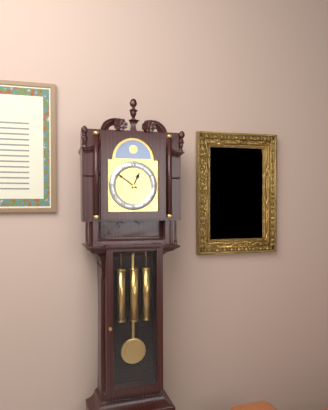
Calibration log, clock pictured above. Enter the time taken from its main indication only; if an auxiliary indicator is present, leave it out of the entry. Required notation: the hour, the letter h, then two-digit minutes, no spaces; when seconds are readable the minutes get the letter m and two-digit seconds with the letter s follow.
12h51
